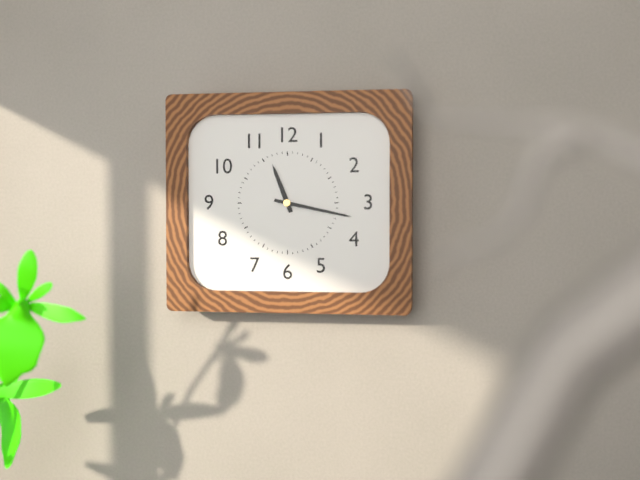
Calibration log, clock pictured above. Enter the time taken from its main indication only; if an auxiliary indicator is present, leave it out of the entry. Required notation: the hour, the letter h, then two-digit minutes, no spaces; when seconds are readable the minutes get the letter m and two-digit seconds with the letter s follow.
11h17
